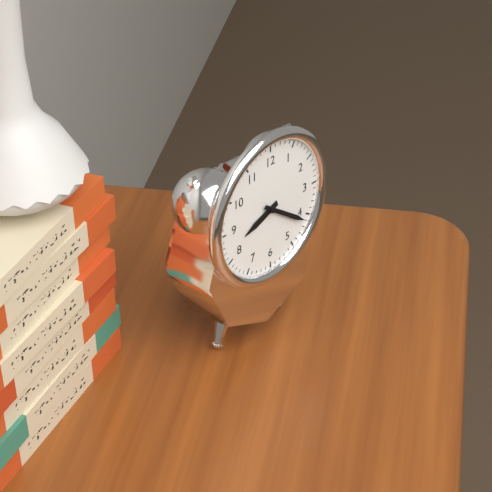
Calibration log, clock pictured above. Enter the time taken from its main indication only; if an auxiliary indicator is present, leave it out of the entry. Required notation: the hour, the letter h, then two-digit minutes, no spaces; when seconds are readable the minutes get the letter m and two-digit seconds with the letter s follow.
8h21
